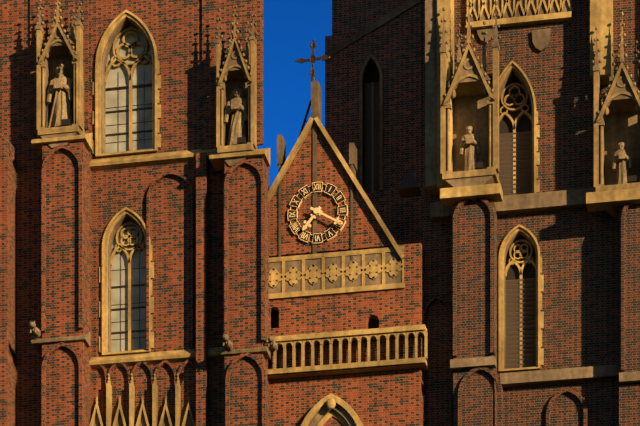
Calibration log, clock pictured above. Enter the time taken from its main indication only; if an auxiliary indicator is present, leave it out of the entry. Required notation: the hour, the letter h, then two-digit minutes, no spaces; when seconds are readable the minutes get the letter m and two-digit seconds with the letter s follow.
7h20
